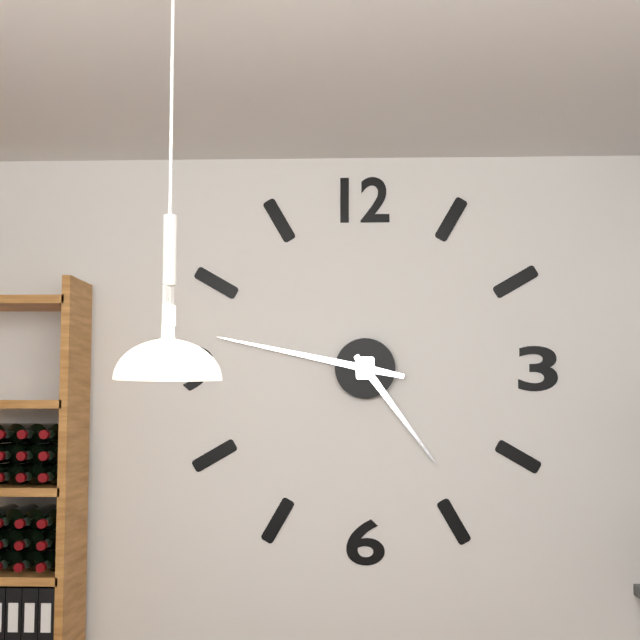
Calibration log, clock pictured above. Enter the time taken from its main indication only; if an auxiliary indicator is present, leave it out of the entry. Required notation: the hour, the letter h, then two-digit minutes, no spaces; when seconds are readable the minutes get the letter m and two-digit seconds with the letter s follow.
4h47
